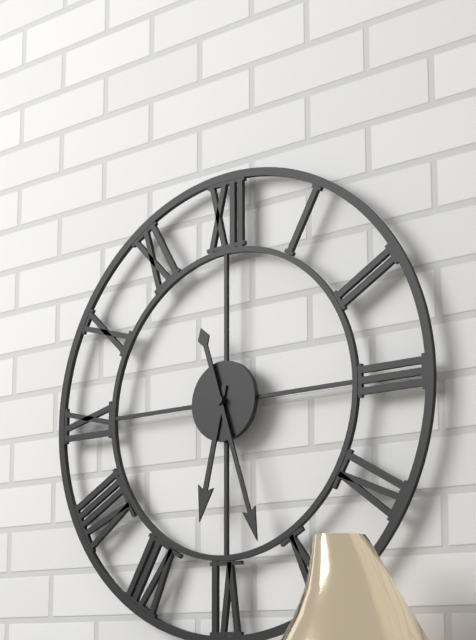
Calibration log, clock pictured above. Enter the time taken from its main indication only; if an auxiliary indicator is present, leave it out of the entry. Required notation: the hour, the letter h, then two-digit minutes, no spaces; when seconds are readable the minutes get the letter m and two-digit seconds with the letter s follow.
6h27
